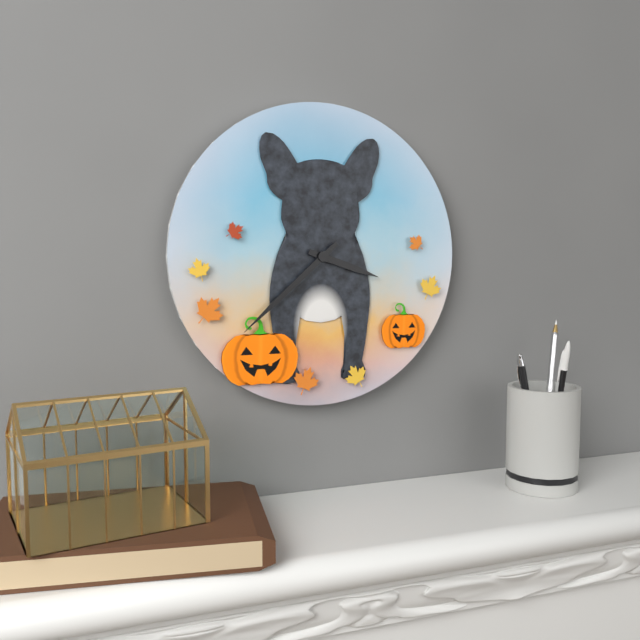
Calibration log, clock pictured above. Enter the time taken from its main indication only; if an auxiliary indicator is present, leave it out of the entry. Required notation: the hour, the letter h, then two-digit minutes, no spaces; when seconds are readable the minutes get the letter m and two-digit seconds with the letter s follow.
3h38
